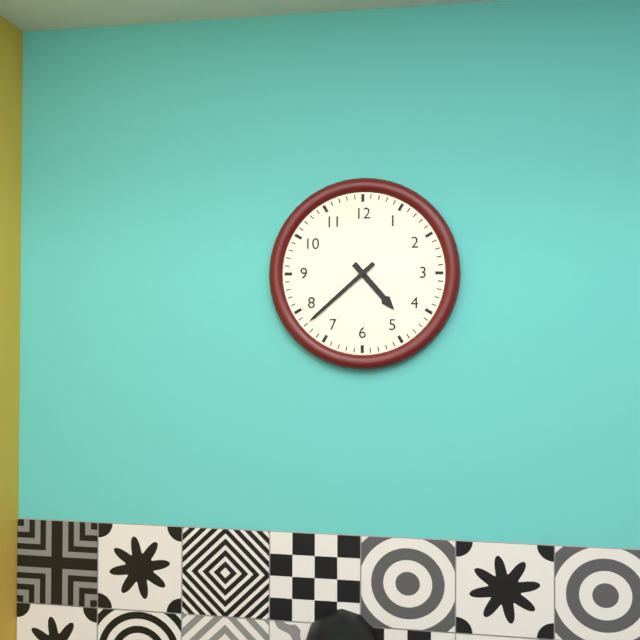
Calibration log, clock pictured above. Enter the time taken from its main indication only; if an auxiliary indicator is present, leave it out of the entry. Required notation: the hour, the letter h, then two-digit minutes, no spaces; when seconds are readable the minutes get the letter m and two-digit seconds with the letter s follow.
4h38
